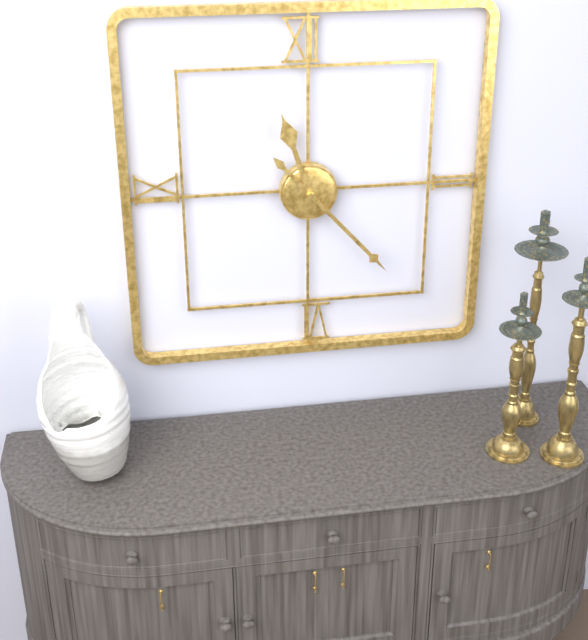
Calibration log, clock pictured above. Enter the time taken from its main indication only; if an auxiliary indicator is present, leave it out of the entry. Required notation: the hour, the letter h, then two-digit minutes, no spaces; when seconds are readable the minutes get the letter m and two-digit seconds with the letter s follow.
11h23
